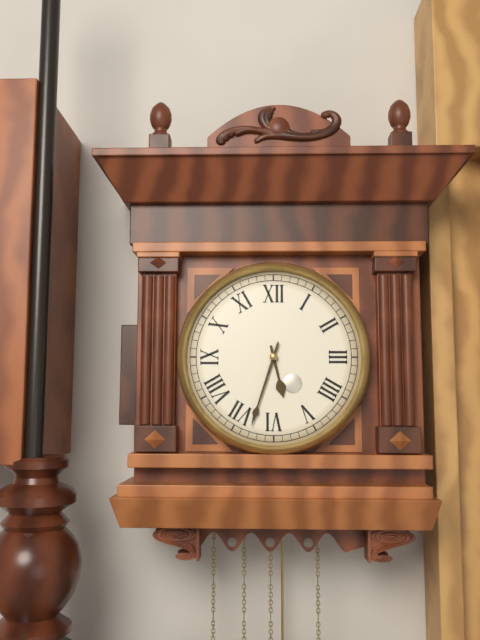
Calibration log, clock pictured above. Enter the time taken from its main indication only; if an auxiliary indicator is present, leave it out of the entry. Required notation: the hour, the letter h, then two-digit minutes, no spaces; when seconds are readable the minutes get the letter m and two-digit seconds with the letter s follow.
5h33
